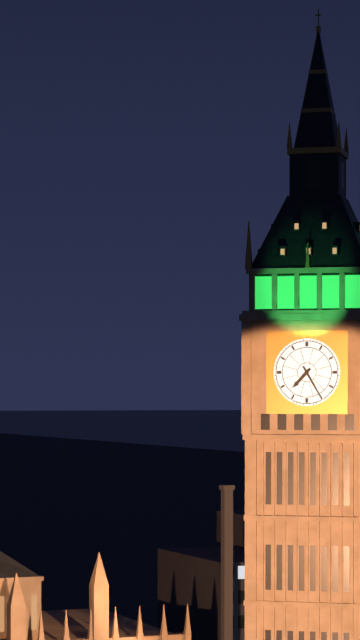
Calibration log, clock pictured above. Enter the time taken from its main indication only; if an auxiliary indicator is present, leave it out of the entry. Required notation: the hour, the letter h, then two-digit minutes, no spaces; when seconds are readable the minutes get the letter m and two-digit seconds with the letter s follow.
7h25
